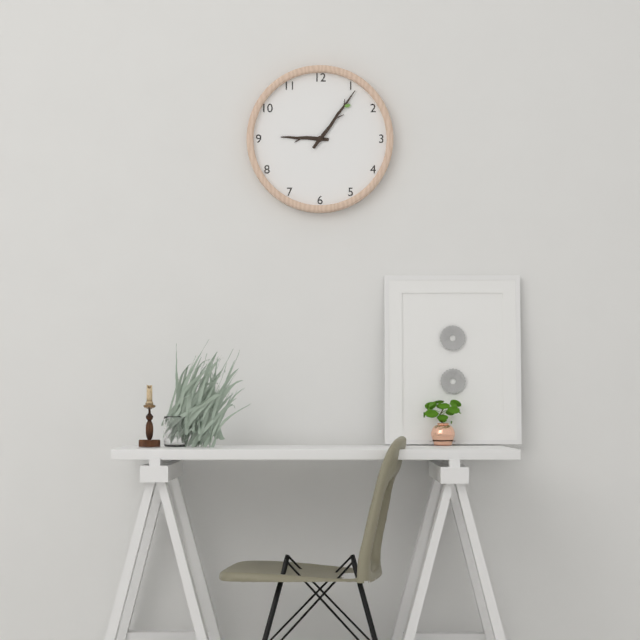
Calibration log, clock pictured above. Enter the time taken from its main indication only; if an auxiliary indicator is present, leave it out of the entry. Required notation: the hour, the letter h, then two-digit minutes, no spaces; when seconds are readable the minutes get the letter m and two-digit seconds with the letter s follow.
9h06
